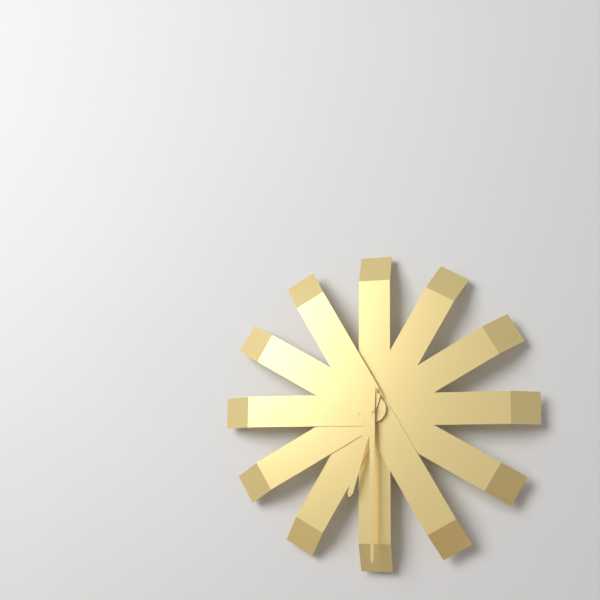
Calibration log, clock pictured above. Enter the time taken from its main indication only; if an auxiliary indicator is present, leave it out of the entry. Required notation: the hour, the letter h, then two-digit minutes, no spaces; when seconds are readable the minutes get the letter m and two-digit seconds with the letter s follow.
6h30
